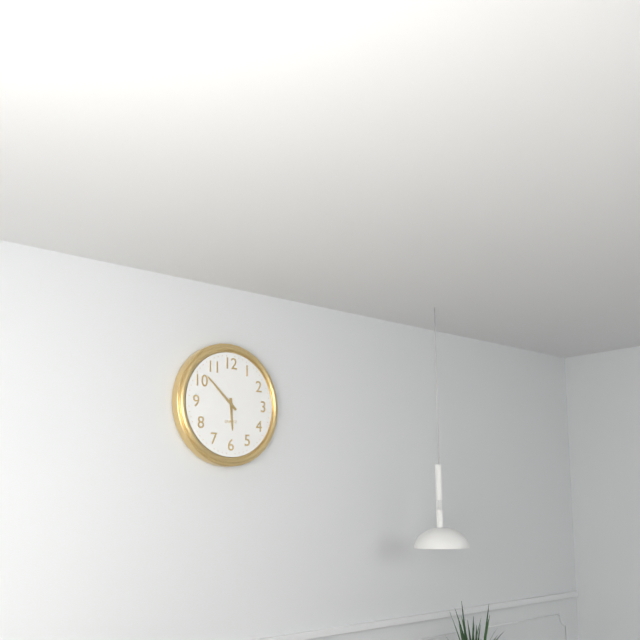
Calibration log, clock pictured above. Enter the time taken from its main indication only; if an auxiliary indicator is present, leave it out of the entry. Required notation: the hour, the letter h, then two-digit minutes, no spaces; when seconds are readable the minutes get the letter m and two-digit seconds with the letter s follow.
5h52
